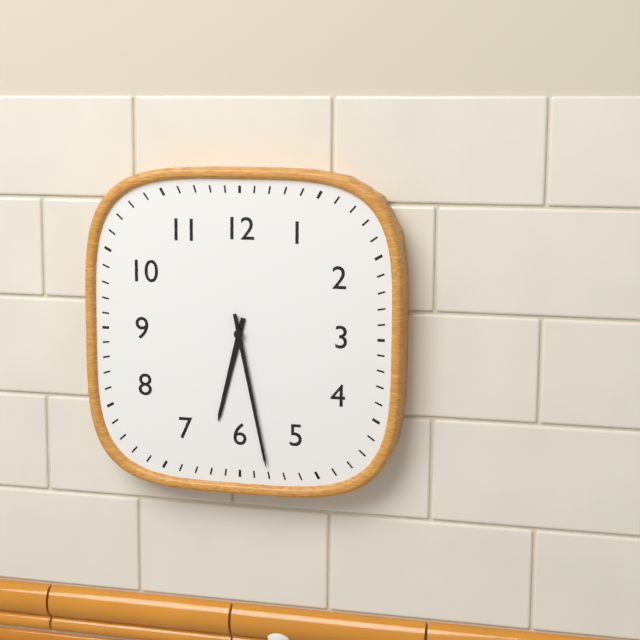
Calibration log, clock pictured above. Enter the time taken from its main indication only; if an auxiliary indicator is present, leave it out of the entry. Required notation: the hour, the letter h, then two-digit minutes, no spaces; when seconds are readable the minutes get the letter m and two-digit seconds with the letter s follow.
6h28
